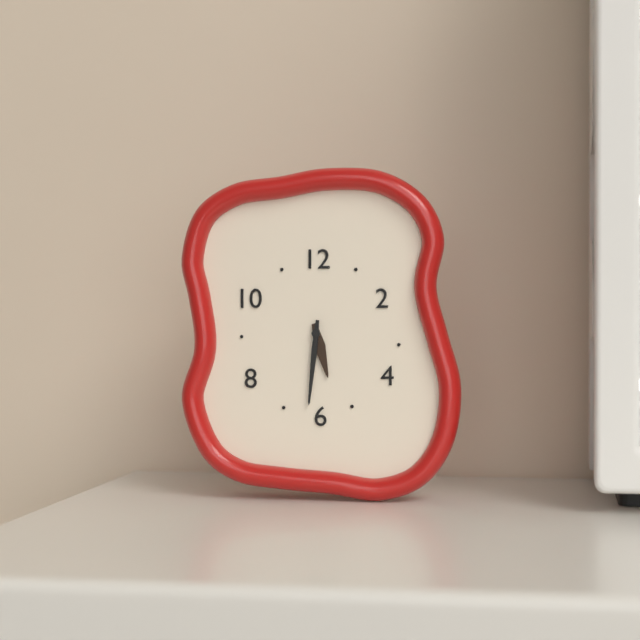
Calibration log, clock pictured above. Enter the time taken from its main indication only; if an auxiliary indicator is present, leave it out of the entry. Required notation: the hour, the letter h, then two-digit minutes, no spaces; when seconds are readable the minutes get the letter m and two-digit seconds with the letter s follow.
5h31
